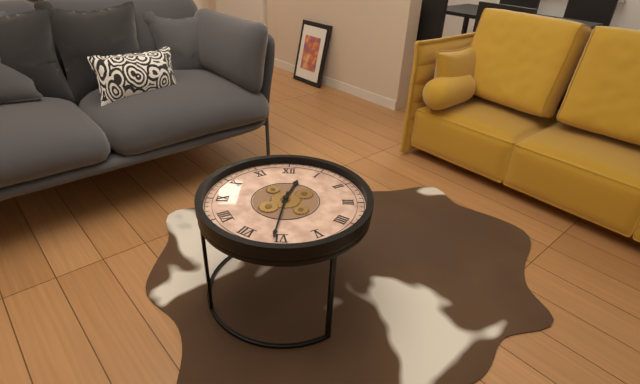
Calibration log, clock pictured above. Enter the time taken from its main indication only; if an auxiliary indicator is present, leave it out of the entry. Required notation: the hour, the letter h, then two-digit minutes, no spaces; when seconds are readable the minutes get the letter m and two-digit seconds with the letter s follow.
12h31
